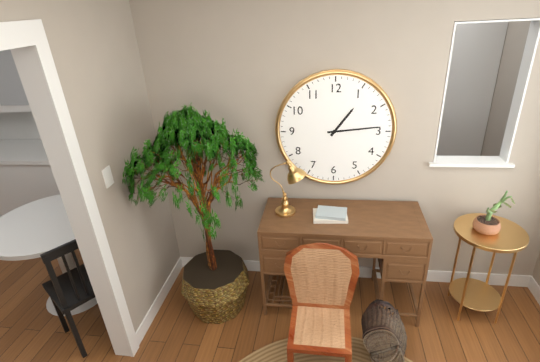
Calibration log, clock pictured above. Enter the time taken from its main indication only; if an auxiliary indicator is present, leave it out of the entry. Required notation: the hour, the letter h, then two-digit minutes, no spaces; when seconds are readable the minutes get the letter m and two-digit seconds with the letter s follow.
1h14
